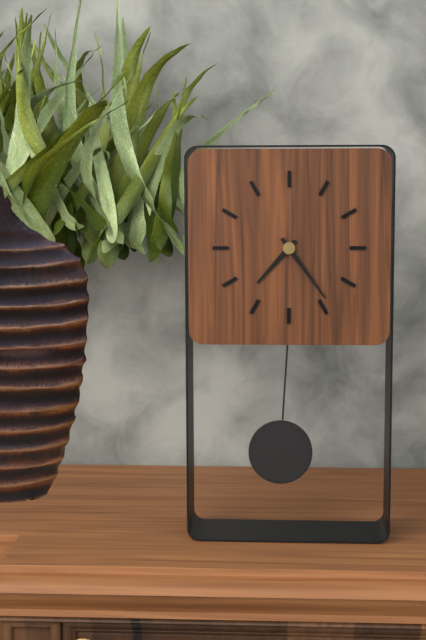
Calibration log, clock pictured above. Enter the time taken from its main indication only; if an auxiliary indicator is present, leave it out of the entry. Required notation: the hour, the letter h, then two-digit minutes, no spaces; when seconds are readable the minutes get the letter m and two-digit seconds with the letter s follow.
7h24
